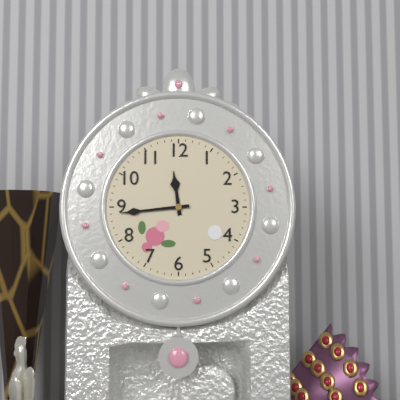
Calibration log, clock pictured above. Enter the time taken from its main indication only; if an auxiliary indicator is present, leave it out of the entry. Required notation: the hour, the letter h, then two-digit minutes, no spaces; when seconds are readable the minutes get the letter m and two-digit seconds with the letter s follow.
11h44
